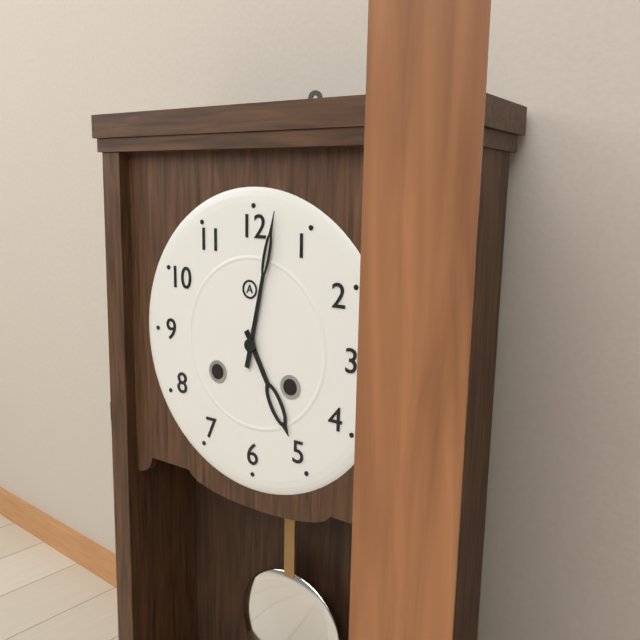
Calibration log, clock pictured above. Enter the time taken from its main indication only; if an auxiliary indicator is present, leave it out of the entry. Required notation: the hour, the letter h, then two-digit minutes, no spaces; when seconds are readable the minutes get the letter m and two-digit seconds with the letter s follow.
5h02
